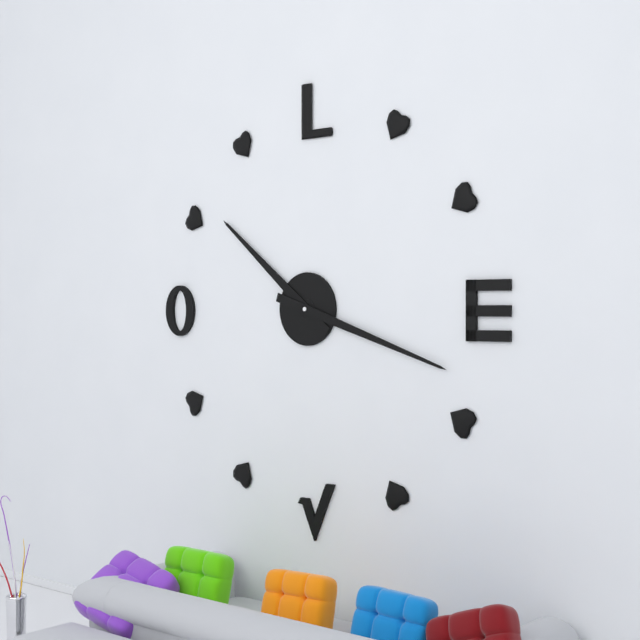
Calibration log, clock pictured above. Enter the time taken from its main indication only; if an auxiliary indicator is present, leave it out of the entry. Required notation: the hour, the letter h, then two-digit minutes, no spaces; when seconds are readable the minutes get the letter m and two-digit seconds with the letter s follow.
10h18
